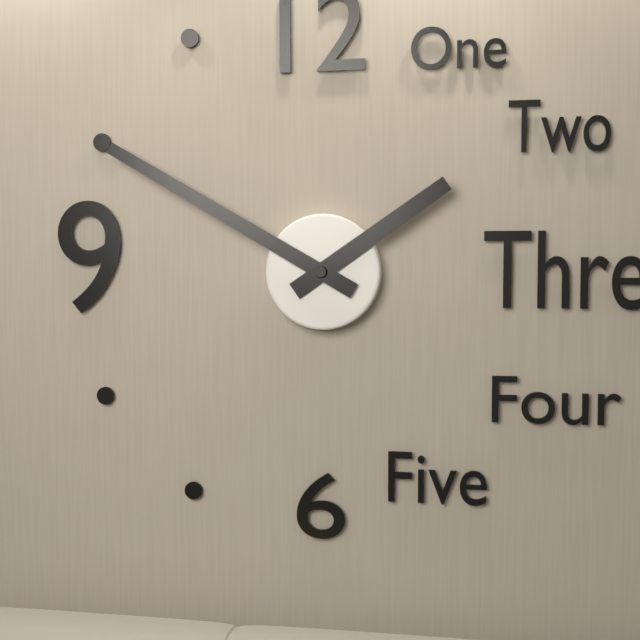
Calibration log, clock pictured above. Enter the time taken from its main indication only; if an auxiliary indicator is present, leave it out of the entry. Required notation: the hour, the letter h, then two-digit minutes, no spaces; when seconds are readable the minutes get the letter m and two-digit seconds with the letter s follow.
1h50
